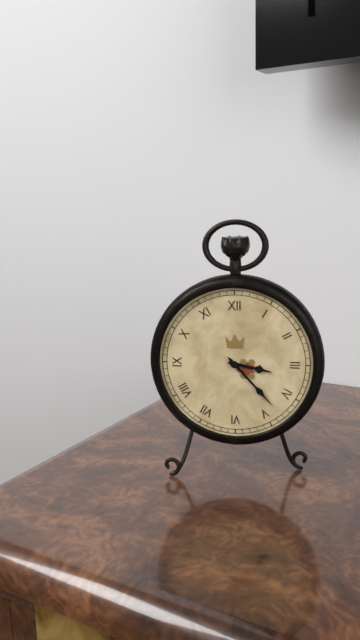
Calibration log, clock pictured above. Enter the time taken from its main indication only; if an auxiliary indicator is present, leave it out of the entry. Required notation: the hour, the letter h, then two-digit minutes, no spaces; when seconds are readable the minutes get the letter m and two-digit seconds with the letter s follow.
3h23
